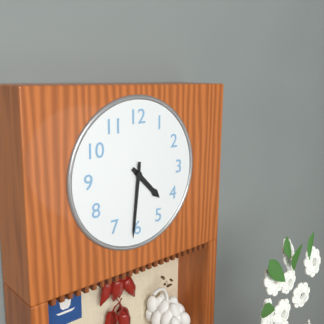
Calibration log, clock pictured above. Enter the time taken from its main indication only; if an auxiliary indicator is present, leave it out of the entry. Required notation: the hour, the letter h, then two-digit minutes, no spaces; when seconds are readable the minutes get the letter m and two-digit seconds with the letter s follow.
4h31
